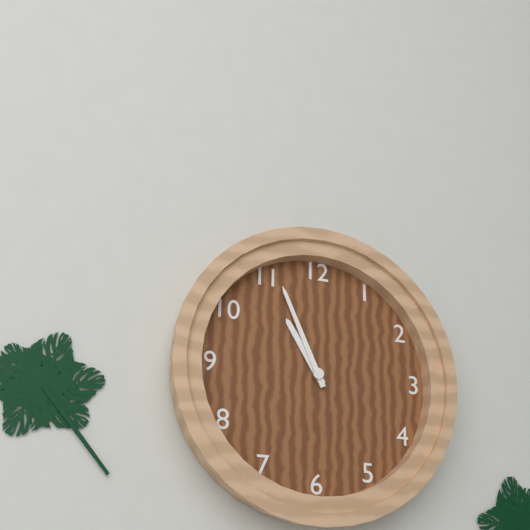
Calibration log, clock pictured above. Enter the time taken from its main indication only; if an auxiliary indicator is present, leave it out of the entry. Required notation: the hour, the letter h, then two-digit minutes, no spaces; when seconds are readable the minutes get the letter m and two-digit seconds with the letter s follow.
10h56
